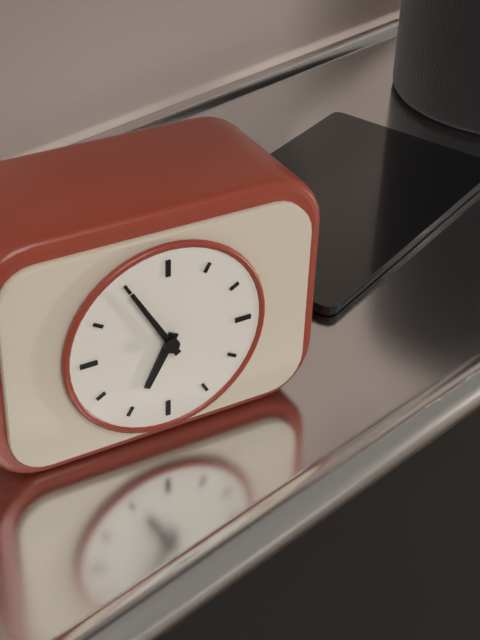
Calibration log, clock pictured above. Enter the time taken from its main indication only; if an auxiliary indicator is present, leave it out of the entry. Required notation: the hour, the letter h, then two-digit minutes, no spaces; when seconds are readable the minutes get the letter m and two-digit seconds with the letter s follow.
6h55
